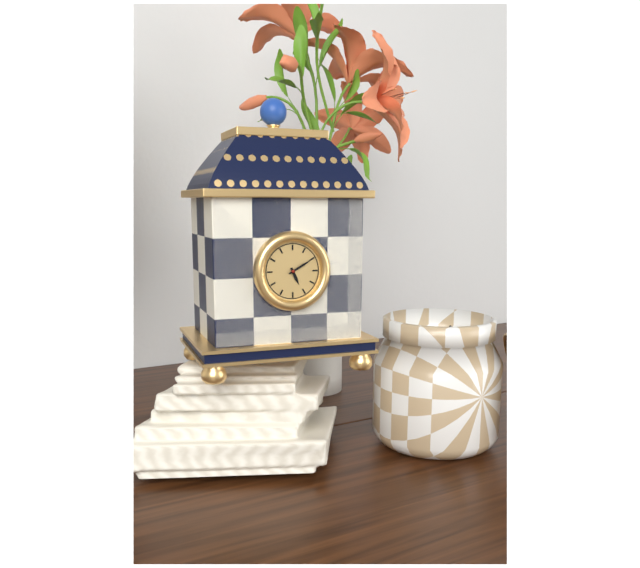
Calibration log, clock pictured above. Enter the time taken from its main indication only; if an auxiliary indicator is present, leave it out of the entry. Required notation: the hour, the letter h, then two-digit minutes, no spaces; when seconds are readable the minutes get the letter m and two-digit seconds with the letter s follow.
5h10
